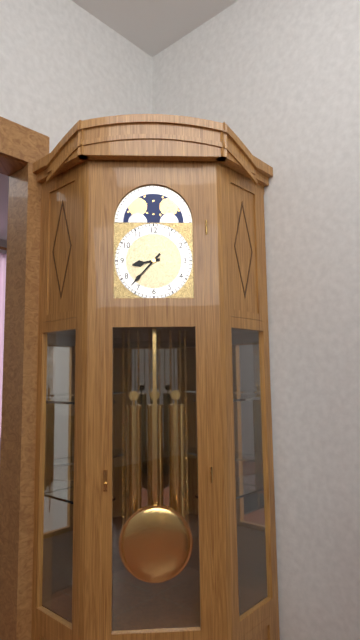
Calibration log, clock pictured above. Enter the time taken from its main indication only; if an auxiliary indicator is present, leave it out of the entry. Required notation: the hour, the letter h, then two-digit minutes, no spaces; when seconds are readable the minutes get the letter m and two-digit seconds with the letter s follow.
8h37
